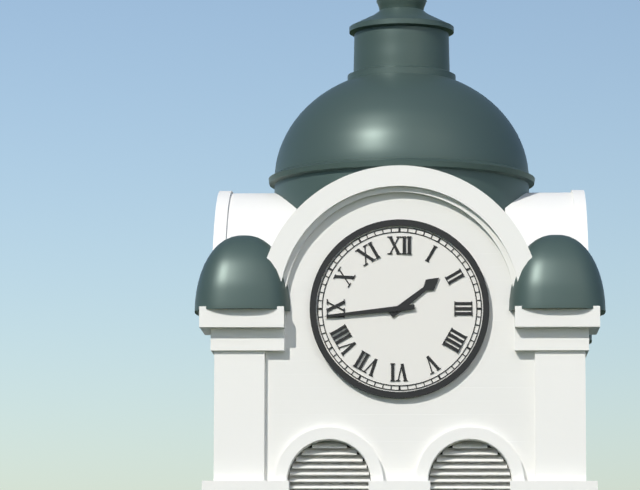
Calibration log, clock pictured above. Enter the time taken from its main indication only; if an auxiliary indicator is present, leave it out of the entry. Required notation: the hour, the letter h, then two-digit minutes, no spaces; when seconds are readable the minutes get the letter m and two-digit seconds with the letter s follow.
1h44
